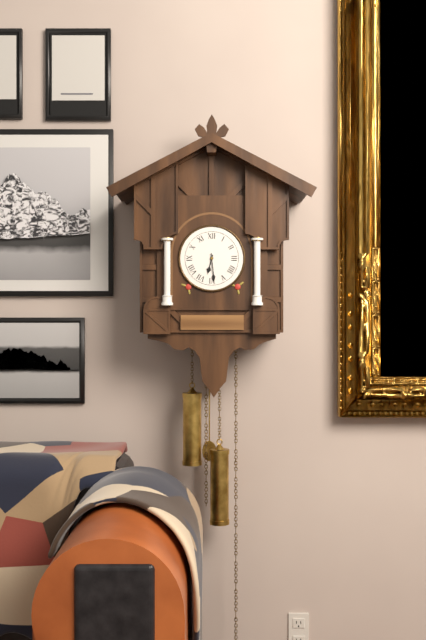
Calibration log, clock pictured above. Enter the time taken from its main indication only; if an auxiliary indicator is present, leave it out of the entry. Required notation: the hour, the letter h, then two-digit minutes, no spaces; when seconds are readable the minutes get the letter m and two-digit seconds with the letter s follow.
6h29
